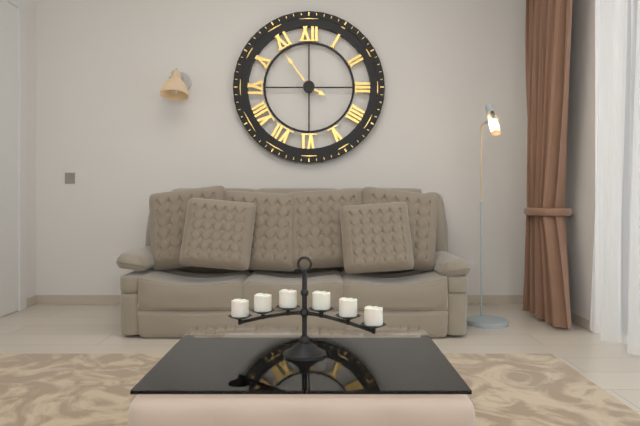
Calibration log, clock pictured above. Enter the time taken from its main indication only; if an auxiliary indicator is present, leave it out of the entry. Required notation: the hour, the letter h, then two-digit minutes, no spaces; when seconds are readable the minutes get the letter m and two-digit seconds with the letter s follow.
3h54
